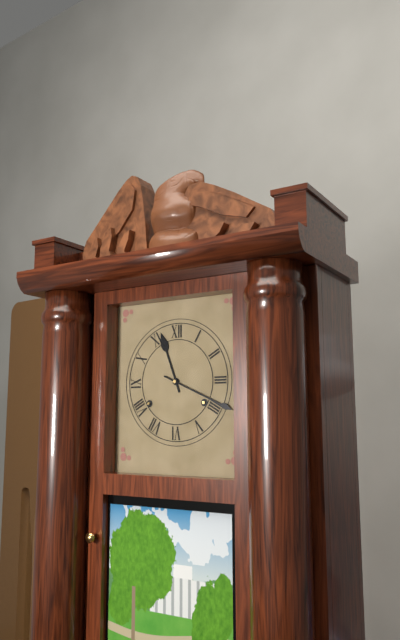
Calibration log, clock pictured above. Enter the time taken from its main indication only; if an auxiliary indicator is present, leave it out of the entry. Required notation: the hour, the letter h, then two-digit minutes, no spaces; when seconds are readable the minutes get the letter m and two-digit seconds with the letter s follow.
11h19
